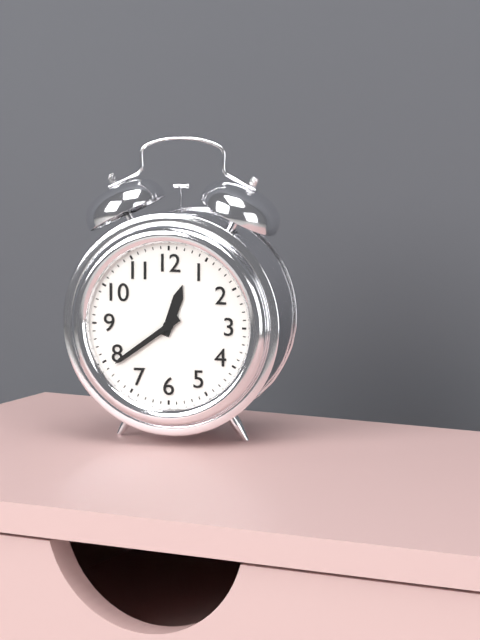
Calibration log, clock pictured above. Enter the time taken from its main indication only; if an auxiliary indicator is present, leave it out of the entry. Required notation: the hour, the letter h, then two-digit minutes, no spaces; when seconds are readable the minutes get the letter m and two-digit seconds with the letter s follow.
12h39
